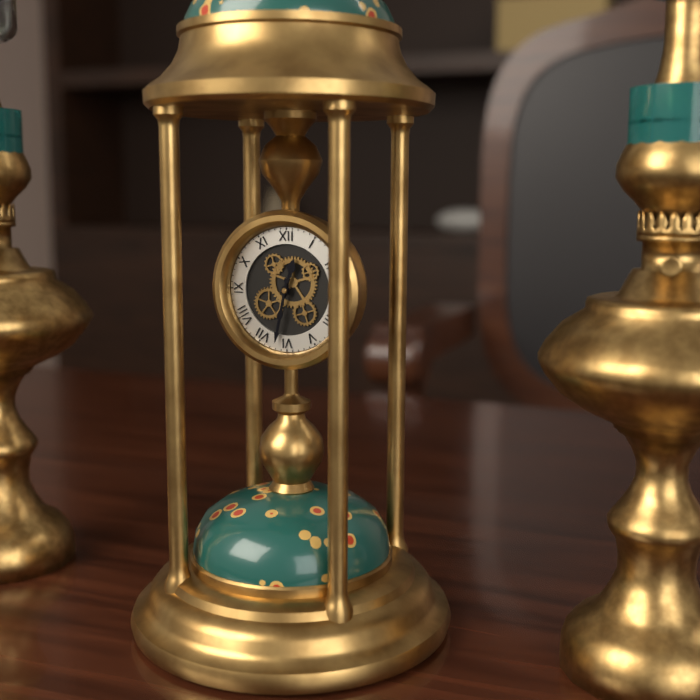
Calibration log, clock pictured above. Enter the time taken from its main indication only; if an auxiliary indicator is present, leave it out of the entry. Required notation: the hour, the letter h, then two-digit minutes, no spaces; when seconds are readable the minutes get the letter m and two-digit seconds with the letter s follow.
12h32
